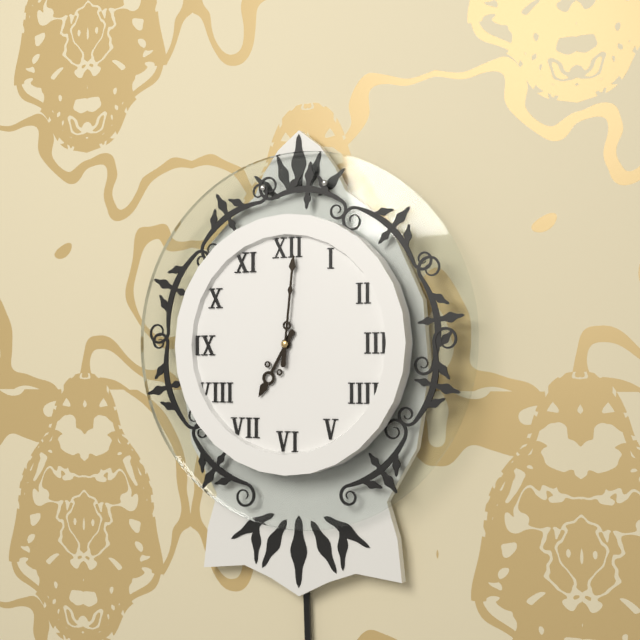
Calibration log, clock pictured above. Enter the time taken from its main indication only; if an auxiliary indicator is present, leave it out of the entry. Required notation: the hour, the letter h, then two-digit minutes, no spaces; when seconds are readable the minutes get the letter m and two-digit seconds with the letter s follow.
7h01
